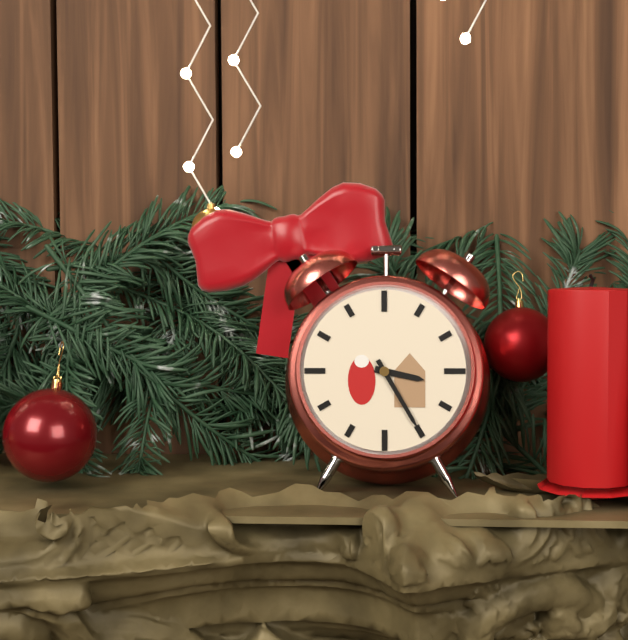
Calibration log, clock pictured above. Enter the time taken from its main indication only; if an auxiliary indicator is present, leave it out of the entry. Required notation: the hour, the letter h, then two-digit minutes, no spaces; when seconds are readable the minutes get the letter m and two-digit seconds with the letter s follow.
3h25
